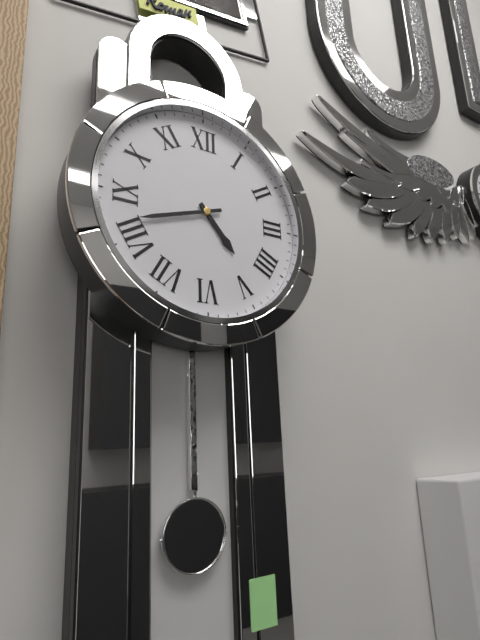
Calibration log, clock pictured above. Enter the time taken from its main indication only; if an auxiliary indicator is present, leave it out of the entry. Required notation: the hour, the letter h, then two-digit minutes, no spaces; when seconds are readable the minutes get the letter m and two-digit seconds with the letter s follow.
4h42
